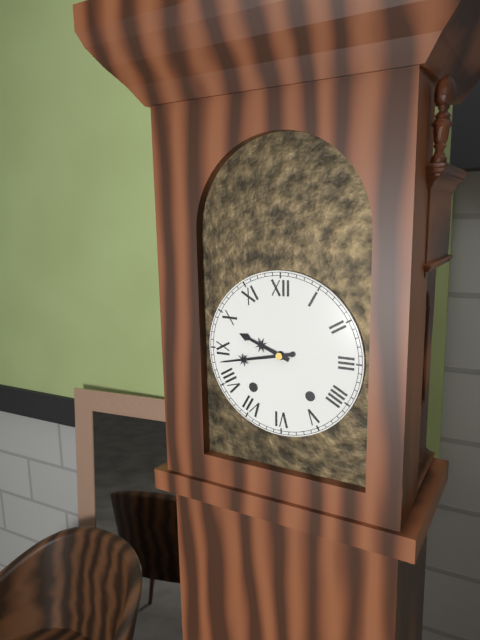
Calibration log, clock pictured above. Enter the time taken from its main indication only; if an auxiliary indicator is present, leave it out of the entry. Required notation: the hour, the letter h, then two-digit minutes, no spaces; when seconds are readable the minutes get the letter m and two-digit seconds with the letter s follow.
9h43
